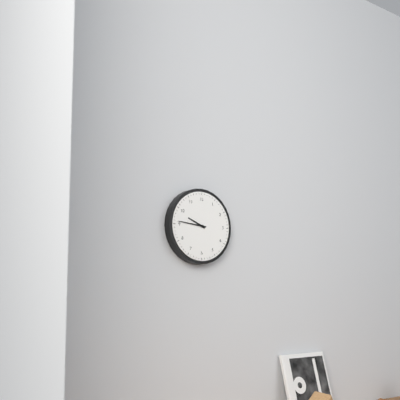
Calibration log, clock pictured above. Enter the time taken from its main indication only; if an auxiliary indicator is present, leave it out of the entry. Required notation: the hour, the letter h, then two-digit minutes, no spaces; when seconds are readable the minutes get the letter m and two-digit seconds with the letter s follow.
9h46
